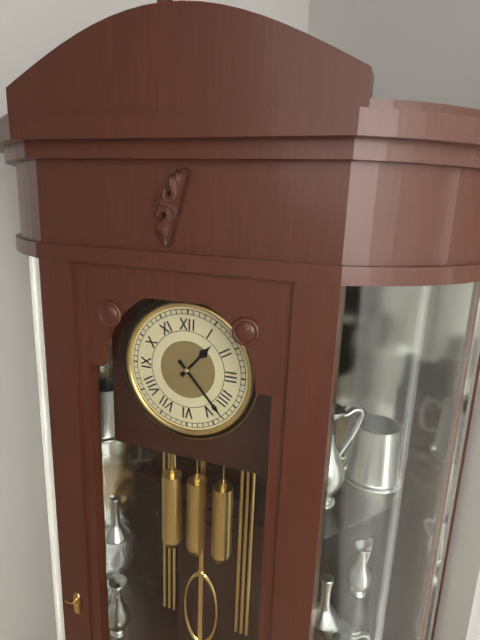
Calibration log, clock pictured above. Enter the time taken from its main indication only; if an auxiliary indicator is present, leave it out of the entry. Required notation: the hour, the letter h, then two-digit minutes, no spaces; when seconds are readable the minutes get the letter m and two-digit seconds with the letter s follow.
1h23
